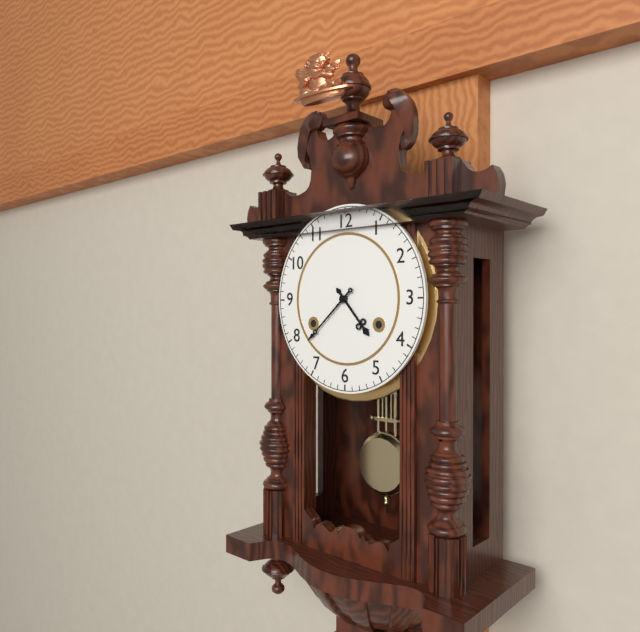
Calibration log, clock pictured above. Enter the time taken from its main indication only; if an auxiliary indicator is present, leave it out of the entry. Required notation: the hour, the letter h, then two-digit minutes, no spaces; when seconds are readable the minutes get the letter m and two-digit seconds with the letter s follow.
4h38
